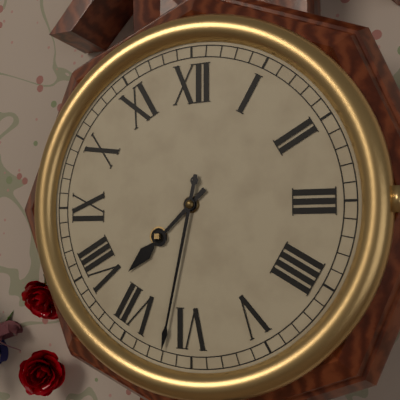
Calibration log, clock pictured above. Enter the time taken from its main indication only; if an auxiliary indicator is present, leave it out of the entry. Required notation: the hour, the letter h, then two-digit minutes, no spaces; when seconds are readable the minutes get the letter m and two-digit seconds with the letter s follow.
7h32
